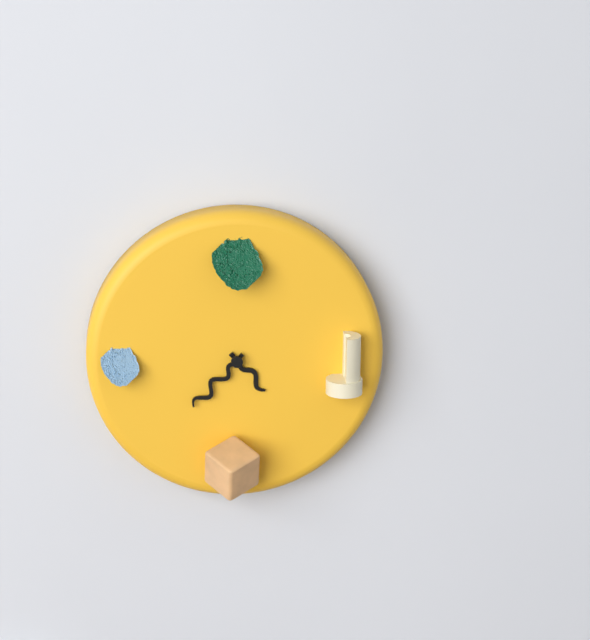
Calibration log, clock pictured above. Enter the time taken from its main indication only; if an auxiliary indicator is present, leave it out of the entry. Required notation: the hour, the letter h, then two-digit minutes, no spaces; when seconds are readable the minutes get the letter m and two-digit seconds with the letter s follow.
4h37
